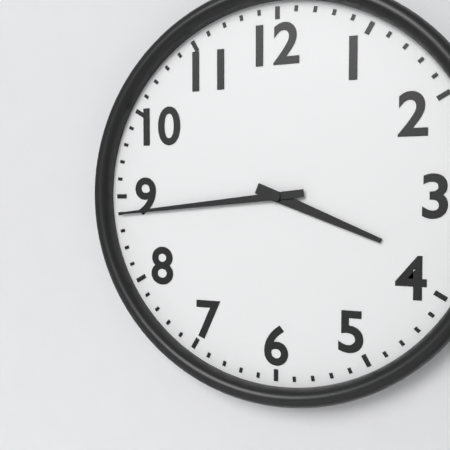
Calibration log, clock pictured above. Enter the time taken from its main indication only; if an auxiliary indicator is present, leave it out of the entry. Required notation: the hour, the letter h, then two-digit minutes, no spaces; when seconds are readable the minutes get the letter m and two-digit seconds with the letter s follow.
3h44
